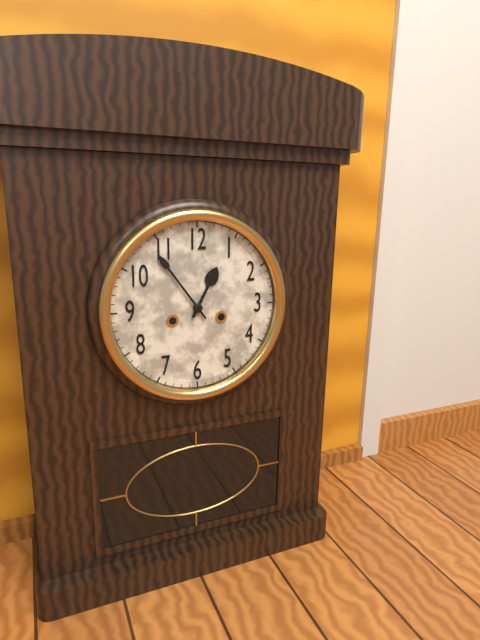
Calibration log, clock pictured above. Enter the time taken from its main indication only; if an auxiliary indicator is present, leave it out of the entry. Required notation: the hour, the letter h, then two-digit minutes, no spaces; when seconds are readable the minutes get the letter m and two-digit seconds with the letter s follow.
12h54
